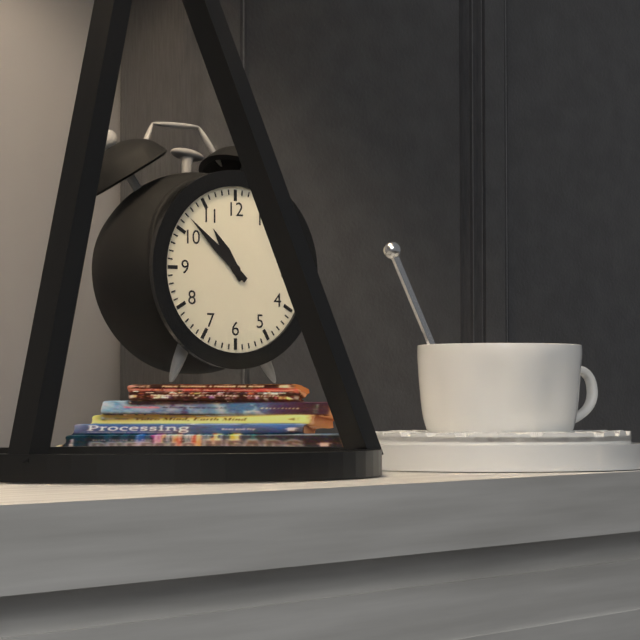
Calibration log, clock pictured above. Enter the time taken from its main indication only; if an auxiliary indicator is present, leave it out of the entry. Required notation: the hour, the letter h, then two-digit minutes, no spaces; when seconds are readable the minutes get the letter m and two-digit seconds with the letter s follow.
10h52
